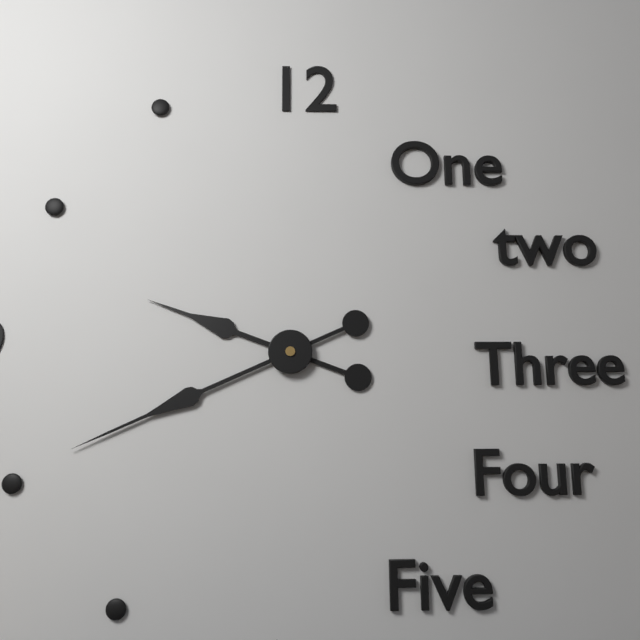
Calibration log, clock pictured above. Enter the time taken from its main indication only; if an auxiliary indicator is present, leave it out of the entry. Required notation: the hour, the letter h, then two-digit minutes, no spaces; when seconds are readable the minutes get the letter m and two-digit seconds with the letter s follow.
9h41
